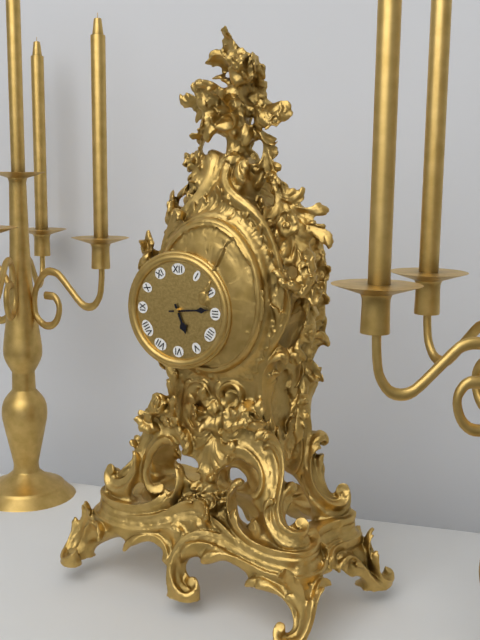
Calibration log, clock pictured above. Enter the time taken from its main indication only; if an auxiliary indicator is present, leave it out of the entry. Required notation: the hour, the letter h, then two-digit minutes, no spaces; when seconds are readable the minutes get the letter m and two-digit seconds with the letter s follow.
5h14
